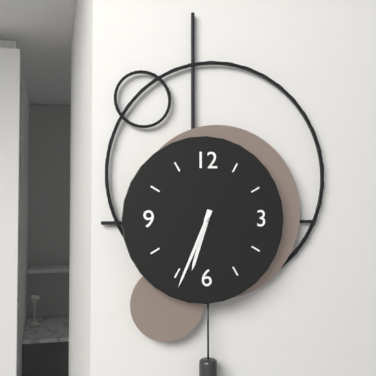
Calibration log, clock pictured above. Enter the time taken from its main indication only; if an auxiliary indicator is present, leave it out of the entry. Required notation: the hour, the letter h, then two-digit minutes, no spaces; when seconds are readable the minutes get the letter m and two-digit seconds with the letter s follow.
6h34
